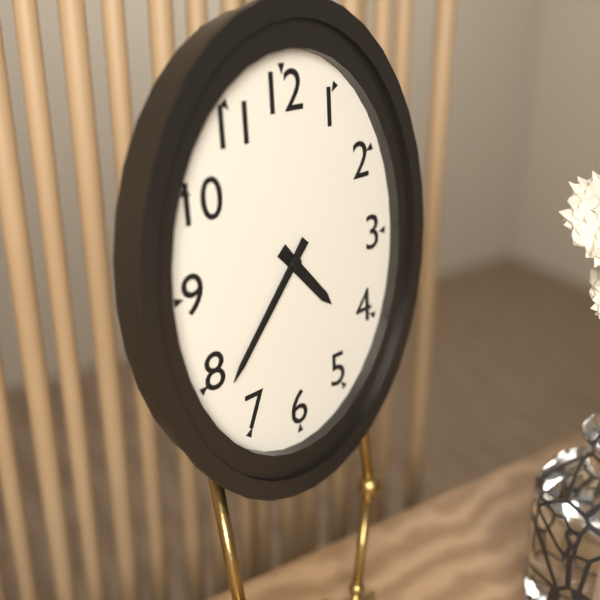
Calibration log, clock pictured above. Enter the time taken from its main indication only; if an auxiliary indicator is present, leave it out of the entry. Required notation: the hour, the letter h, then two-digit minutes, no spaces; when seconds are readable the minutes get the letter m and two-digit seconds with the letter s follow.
4h37
